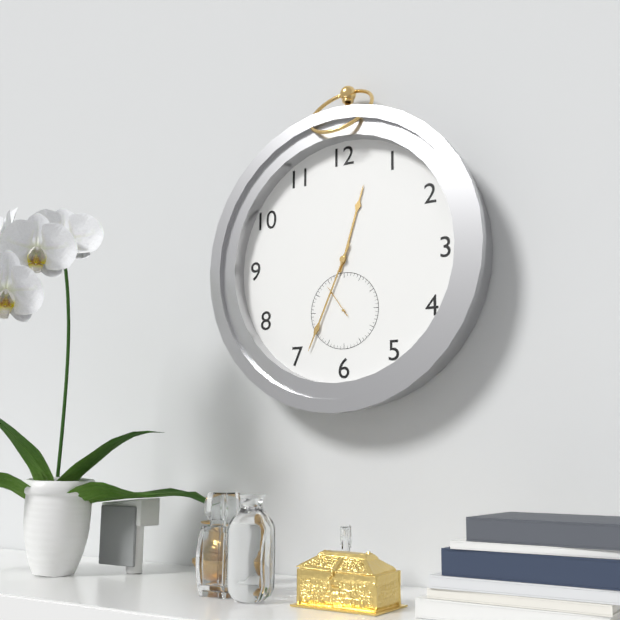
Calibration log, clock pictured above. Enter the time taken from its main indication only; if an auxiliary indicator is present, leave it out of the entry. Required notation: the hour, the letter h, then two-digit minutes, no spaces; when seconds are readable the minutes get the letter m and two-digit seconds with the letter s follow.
12h34
